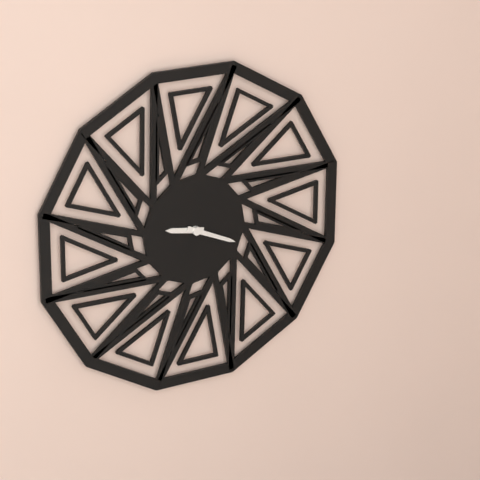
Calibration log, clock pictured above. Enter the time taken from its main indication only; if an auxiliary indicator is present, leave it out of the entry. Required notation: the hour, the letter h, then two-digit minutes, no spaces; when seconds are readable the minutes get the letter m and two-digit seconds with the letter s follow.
9h19
